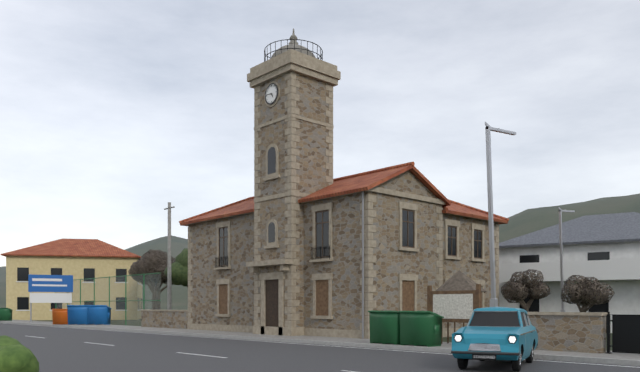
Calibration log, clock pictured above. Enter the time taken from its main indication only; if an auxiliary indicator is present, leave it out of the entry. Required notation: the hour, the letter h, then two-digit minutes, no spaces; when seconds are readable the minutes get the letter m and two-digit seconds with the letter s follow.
4h46
